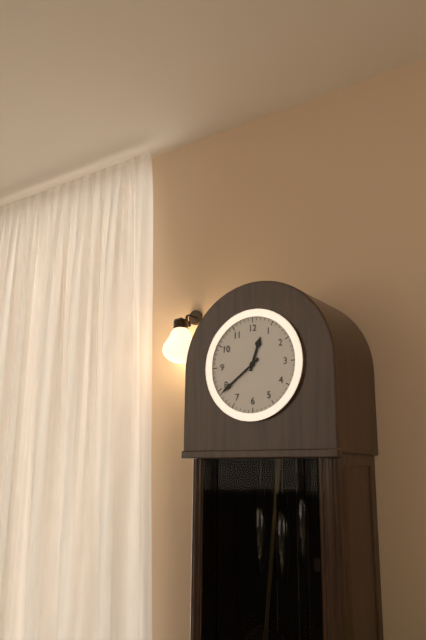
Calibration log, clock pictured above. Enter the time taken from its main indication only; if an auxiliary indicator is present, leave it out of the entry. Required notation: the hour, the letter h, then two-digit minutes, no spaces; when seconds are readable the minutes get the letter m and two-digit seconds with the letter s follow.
12h39
